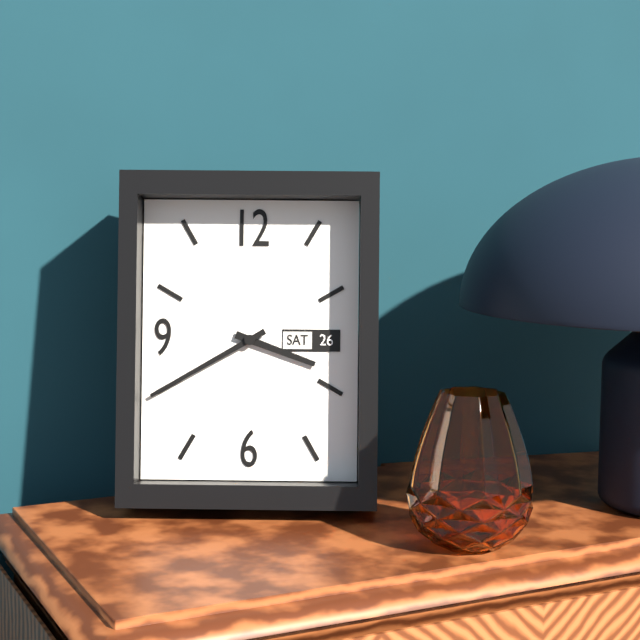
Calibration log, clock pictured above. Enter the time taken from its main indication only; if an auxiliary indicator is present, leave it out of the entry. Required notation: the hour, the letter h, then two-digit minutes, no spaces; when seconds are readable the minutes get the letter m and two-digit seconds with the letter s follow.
3h40
